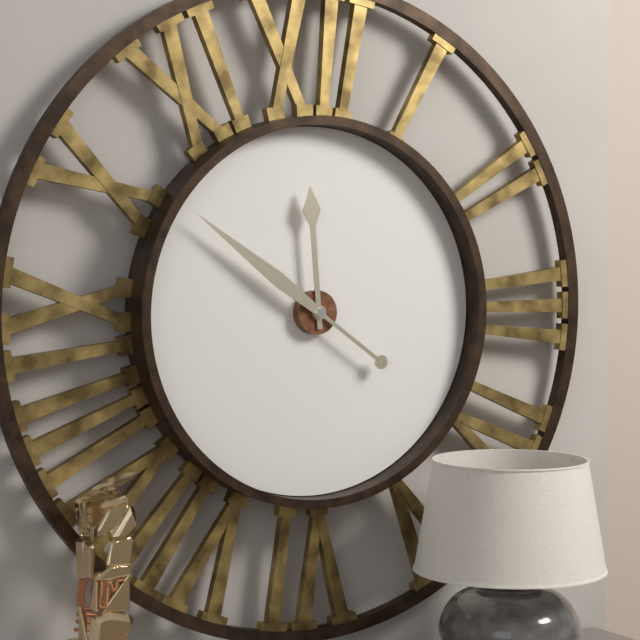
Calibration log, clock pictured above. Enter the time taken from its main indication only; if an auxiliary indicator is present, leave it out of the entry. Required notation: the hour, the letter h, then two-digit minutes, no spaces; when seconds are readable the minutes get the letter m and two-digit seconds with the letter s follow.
11h51
